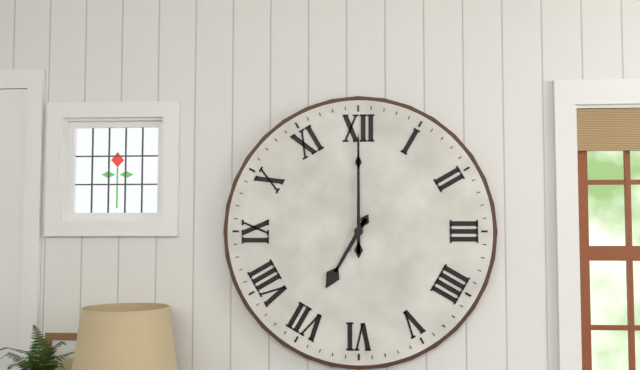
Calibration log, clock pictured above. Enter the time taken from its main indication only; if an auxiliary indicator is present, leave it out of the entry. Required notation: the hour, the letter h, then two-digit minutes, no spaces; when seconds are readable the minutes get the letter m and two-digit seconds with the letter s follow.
7h00
